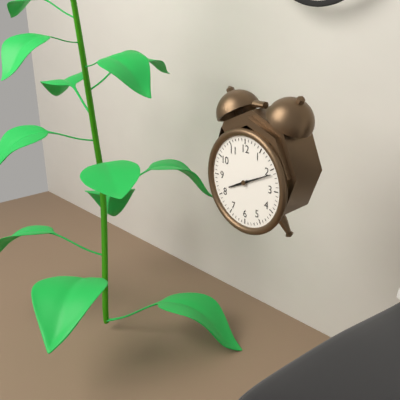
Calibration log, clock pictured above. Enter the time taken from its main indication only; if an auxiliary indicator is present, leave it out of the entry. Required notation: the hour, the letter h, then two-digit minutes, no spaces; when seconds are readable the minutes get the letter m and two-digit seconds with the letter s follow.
8h11
